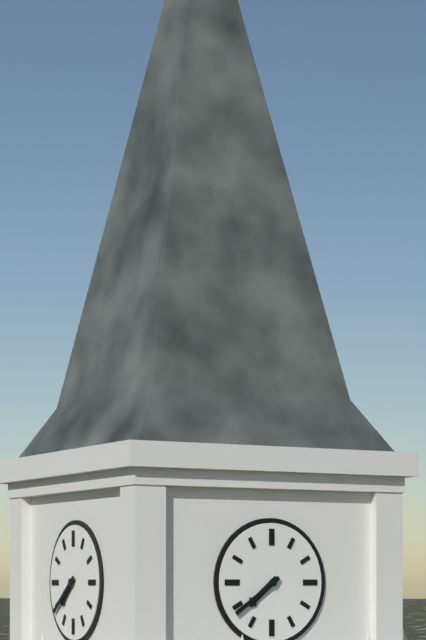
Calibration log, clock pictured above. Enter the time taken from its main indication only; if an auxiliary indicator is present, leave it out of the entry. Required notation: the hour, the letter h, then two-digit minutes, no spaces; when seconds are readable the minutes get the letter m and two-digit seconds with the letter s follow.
7h39
